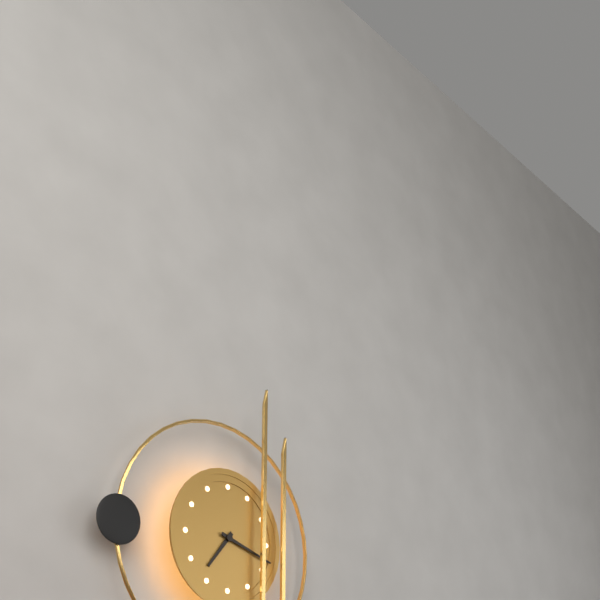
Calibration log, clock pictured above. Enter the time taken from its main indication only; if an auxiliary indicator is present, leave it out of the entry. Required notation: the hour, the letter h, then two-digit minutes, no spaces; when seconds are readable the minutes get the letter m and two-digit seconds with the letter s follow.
7h18
